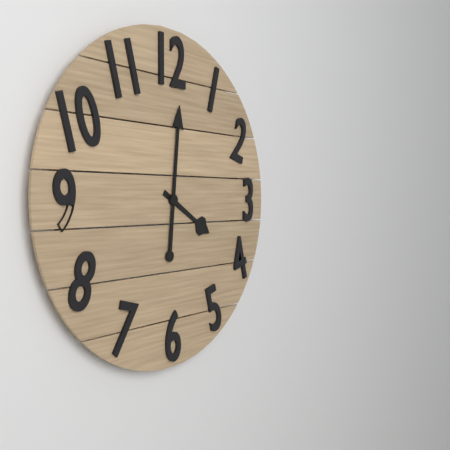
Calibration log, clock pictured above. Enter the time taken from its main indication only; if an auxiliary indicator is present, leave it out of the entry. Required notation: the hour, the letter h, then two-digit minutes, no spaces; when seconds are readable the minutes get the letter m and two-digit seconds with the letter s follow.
4h01
